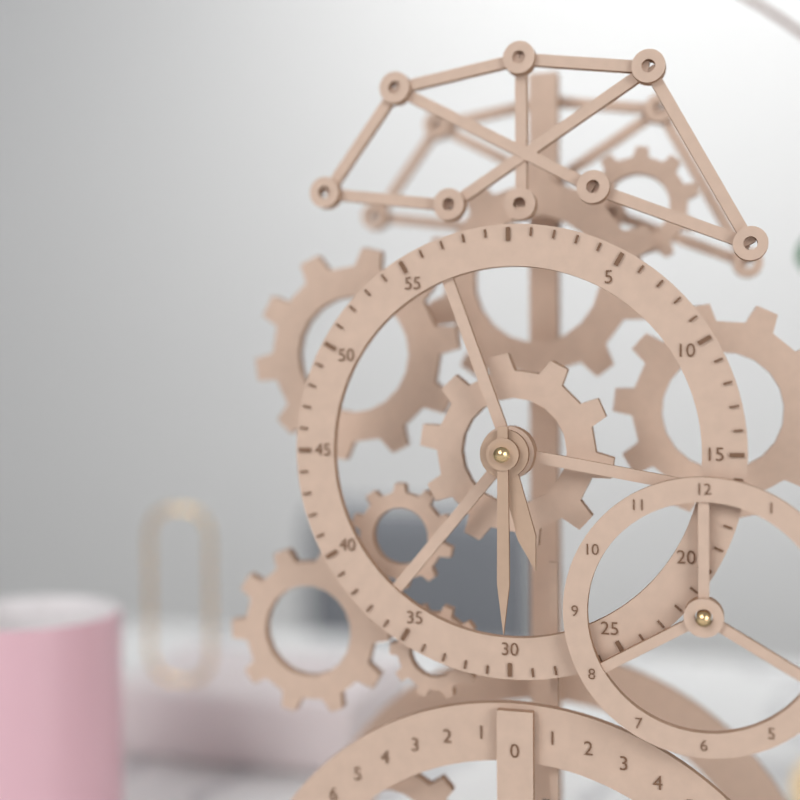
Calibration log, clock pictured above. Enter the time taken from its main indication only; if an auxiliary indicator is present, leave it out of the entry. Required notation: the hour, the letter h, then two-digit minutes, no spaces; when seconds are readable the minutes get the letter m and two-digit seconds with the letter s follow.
5h30
